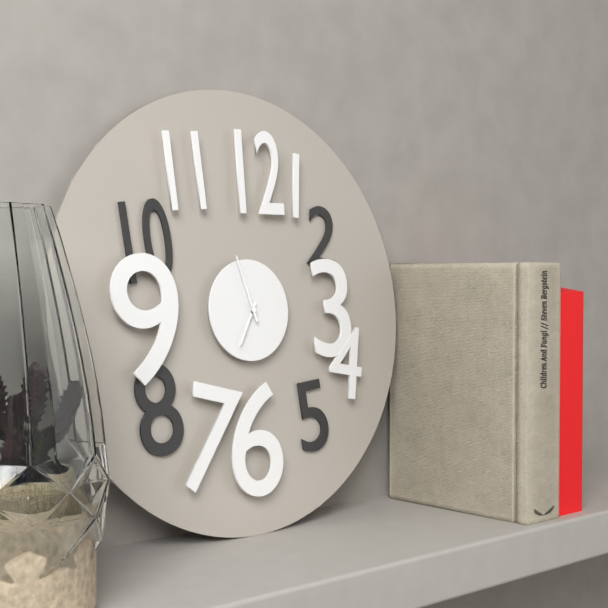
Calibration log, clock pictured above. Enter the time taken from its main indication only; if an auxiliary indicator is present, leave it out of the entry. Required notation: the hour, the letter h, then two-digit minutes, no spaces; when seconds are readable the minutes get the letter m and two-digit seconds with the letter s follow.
6h57
